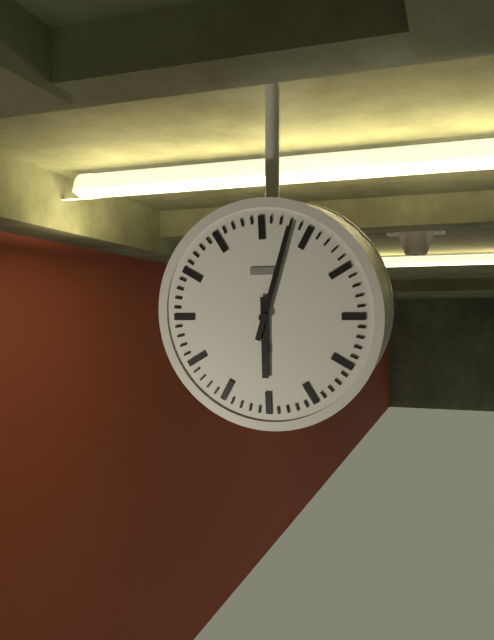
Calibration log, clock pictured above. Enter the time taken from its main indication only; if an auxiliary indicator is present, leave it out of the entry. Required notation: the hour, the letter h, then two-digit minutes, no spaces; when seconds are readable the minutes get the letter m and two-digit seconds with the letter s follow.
6h03
